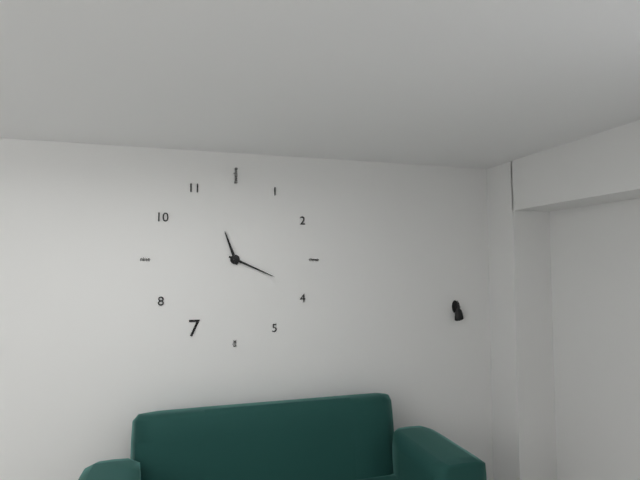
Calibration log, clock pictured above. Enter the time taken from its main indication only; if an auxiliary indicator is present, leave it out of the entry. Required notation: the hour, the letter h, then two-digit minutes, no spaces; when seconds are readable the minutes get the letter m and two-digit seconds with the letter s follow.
11h19
